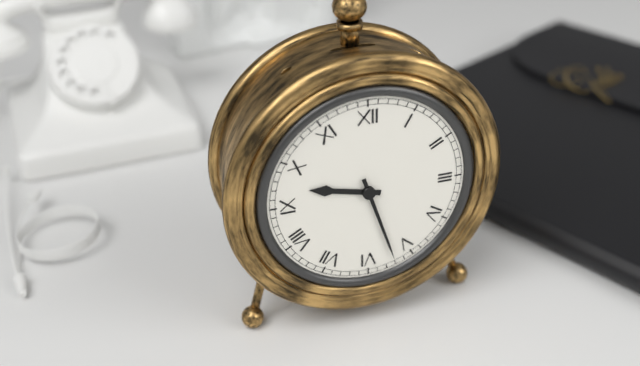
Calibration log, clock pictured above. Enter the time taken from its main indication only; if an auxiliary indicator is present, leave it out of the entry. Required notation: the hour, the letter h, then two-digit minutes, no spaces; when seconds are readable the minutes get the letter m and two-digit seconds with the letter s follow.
9h27
